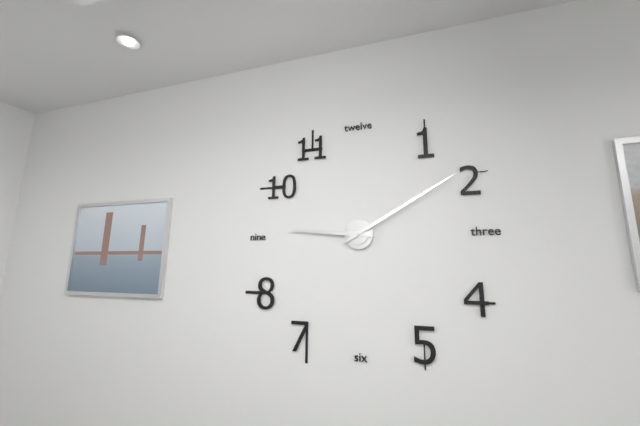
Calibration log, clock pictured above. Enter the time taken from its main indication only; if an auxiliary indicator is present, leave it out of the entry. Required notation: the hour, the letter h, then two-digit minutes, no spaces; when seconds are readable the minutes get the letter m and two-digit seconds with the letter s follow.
9h10
